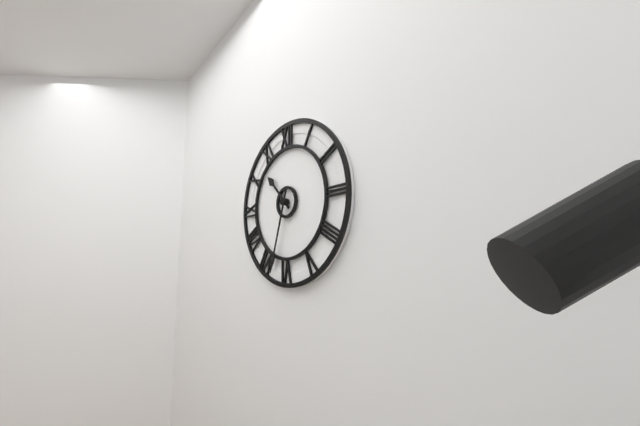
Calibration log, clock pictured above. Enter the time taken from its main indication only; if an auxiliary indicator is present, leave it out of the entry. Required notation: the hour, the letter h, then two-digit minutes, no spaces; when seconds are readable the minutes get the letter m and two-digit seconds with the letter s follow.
10h33
